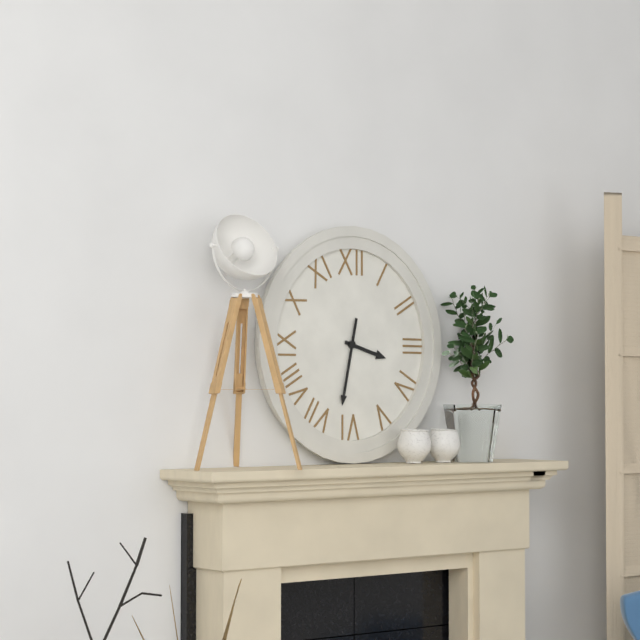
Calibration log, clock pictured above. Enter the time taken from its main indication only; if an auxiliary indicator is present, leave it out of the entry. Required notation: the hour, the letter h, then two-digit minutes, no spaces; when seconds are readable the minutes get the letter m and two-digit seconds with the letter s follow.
3h32
